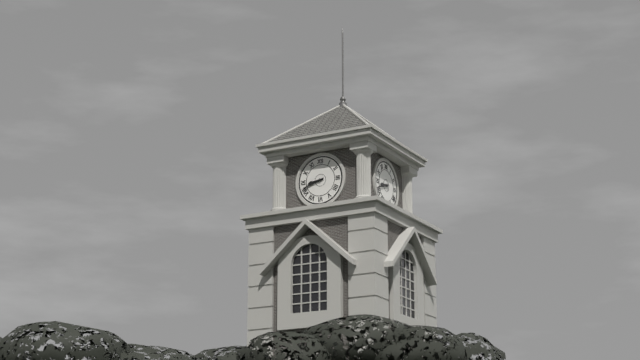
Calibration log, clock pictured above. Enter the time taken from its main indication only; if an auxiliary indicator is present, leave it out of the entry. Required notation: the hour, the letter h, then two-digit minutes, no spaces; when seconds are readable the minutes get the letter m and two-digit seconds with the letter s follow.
8h42
